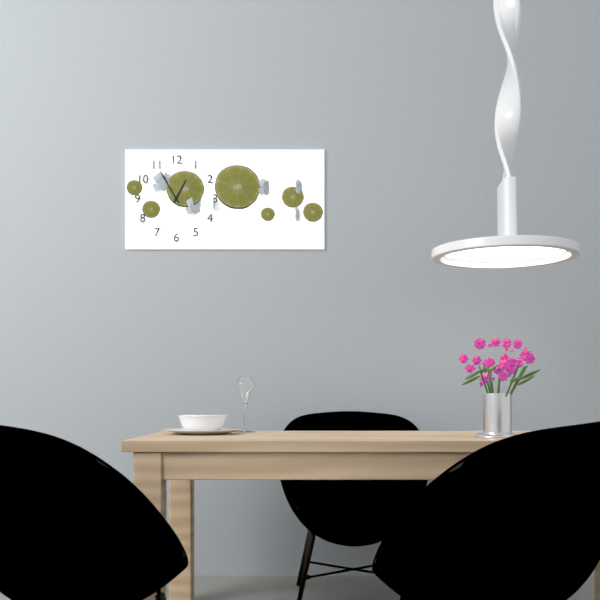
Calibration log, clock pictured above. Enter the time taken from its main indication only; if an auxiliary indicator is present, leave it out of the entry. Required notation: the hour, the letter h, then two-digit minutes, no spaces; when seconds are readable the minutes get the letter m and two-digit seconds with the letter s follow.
12h55
